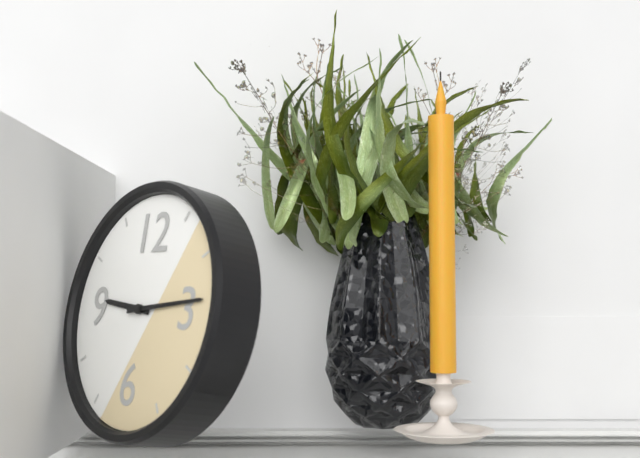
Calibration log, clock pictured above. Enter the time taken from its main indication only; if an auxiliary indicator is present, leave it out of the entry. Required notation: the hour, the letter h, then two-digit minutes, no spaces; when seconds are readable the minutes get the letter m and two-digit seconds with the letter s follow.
9h14
